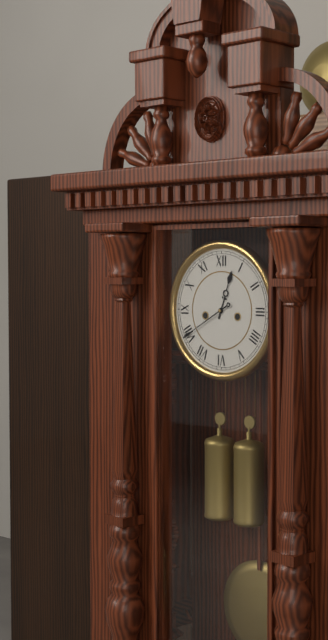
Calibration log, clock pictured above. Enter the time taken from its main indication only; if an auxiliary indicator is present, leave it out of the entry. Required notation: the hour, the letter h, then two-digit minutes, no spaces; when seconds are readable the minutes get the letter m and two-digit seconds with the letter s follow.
12h40
